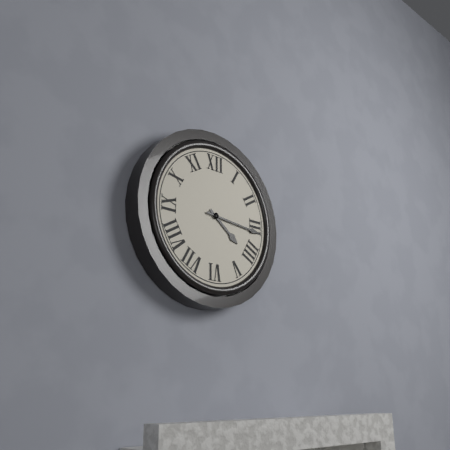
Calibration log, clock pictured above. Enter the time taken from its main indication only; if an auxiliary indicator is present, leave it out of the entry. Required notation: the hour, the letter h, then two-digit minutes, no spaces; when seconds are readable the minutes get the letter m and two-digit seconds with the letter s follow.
4h16
